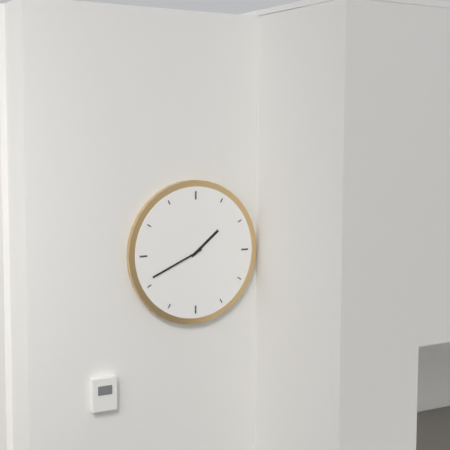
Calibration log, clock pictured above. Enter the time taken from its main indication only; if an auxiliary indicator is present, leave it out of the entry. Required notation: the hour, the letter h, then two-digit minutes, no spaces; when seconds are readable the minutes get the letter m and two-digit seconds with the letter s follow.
1h41
